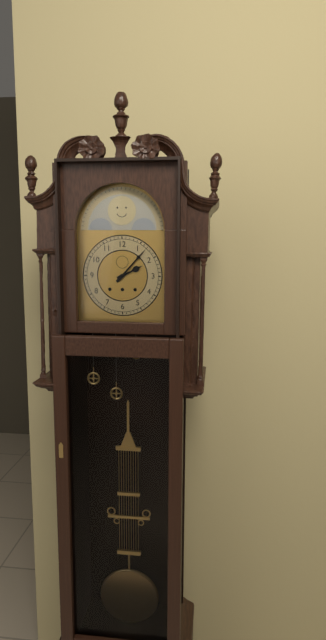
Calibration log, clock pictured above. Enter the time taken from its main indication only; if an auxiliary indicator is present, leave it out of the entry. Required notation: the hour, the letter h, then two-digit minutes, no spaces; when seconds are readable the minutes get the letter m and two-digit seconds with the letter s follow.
2h07
